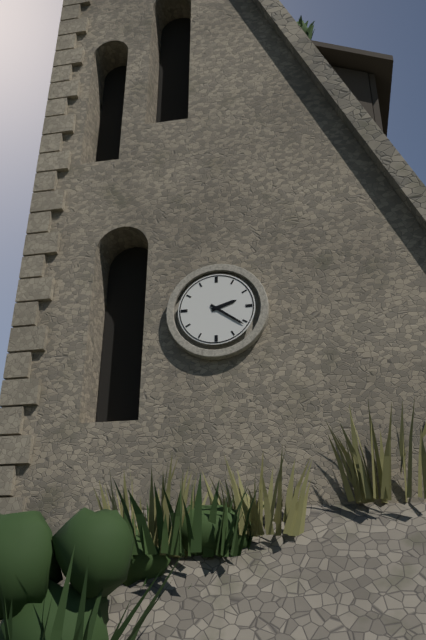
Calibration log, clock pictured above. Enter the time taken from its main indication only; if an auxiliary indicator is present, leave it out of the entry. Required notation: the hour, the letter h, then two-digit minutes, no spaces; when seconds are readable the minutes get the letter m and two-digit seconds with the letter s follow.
2h21
